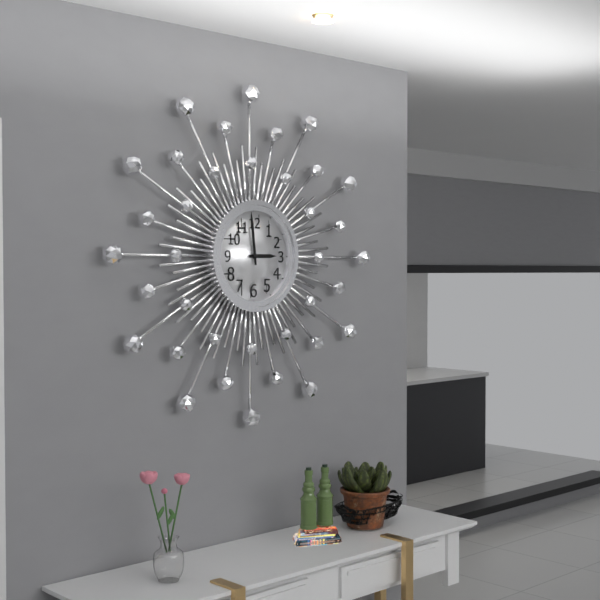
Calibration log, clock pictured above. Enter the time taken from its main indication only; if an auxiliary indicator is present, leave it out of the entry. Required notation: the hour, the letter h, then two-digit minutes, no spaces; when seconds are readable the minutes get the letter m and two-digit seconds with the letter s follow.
2h59
